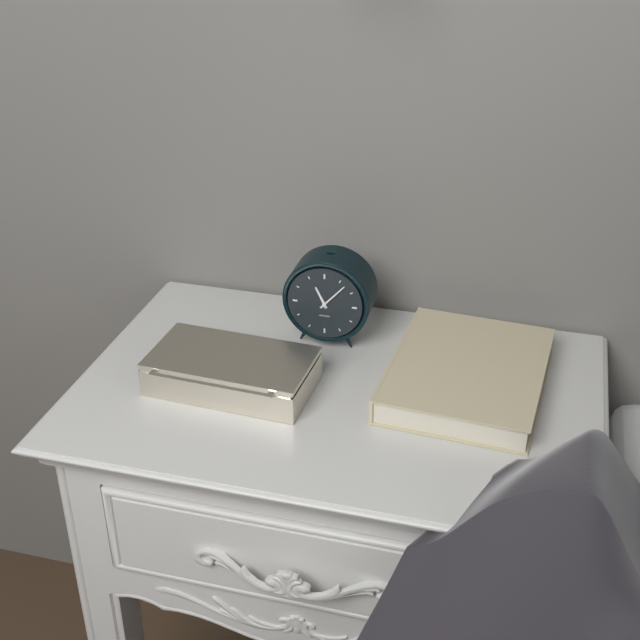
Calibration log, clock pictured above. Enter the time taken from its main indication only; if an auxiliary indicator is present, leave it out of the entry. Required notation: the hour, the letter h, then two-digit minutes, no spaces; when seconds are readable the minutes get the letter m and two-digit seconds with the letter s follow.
11h07
